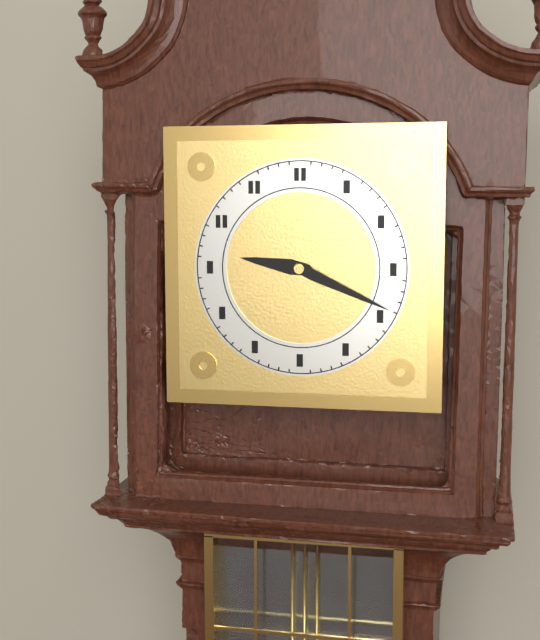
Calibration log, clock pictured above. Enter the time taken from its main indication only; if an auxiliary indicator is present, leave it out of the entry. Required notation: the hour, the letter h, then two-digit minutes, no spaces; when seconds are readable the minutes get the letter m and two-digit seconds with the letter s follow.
9h19
